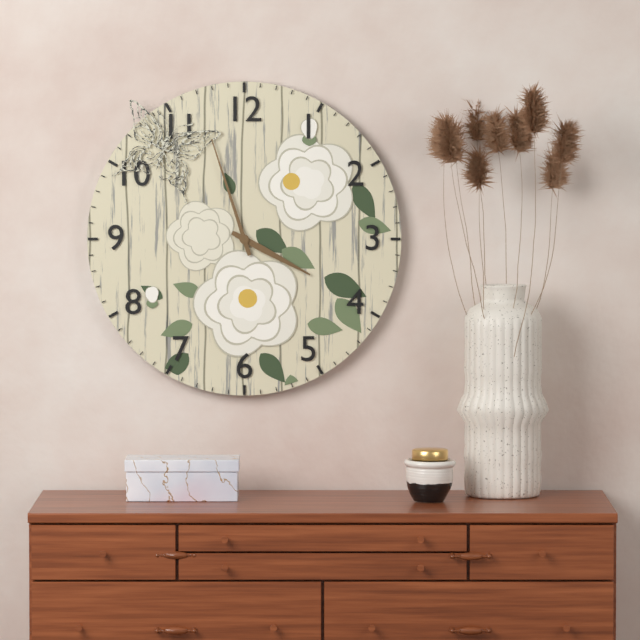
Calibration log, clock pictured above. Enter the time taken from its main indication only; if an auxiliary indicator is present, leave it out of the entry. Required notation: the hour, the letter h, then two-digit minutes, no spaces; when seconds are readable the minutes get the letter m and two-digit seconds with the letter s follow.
3h57
